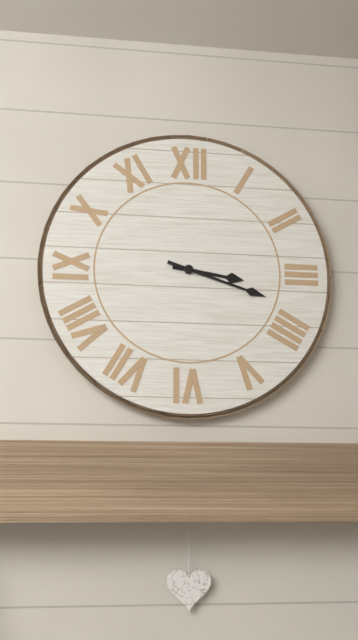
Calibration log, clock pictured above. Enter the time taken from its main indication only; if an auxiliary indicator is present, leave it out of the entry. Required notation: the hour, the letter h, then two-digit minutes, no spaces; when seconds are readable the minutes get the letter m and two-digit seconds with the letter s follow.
3h18
